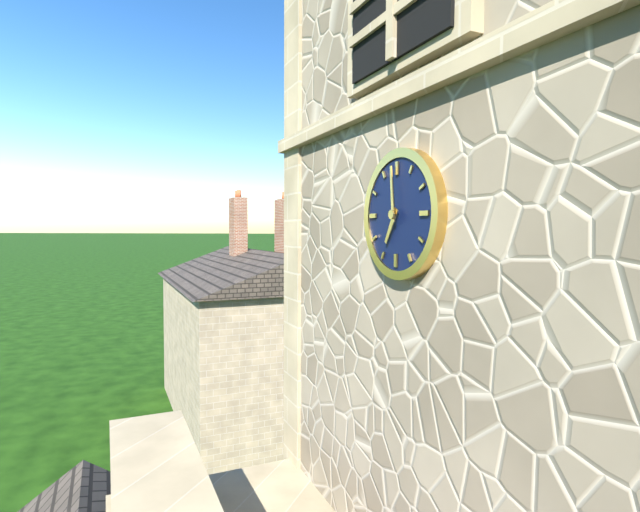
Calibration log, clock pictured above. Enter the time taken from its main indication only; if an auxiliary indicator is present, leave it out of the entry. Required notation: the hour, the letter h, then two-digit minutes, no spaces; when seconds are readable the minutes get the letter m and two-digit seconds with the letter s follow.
6h59
